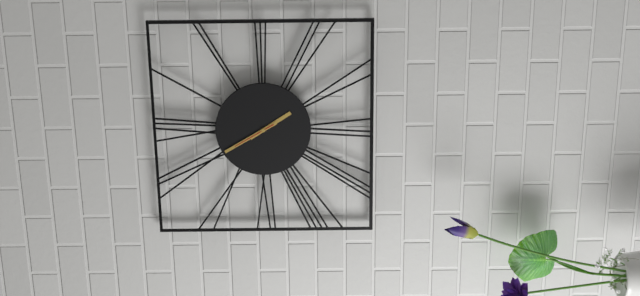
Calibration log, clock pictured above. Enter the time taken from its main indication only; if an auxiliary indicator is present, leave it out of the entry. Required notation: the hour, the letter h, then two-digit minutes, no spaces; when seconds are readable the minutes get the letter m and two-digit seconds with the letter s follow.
4h55
